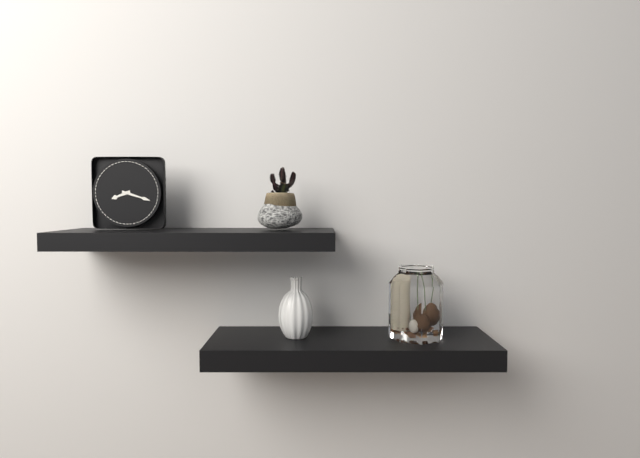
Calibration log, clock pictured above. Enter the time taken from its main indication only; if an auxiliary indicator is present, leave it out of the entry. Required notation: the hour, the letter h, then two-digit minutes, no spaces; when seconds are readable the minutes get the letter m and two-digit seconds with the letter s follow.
8h18
